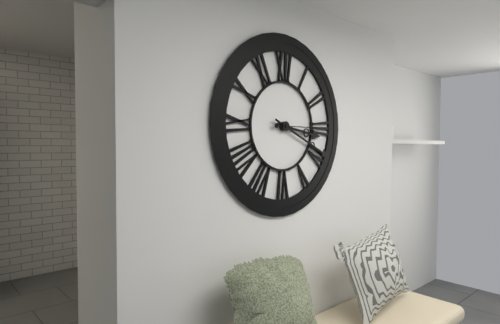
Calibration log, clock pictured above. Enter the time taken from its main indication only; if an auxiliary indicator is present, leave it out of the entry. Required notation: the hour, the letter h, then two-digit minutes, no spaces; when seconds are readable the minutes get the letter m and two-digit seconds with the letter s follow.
3h19
